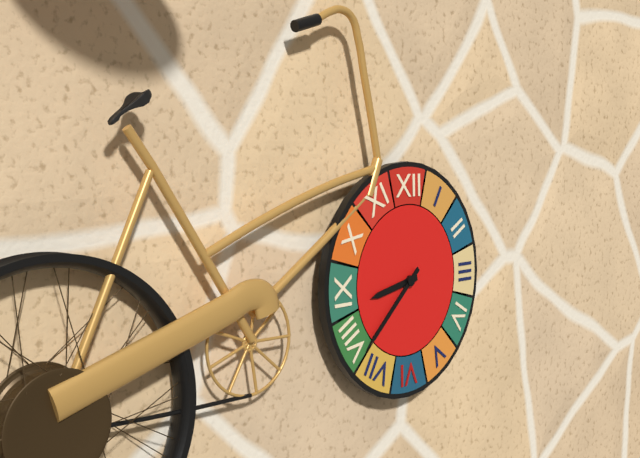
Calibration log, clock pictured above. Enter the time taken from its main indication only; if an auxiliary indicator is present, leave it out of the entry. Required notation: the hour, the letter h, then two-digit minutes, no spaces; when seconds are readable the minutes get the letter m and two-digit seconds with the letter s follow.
8h38
